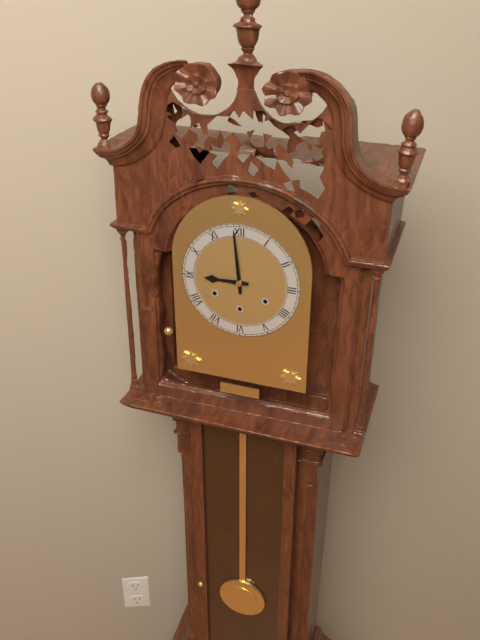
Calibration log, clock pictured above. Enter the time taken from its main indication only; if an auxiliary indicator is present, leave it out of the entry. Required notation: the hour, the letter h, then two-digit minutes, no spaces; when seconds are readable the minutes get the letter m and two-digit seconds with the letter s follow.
8h59
